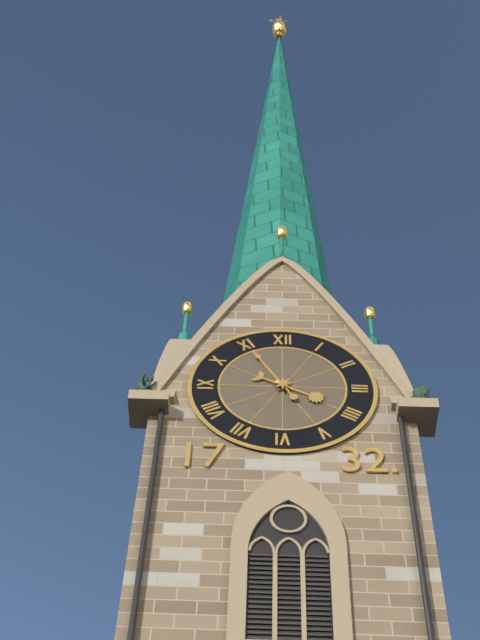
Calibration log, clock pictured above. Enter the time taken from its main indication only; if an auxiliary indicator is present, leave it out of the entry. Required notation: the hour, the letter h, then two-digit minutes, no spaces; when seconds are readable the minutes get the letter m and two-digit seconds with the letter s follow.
3h55
